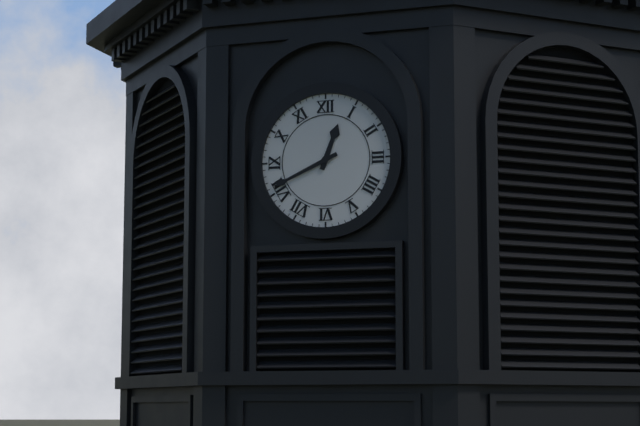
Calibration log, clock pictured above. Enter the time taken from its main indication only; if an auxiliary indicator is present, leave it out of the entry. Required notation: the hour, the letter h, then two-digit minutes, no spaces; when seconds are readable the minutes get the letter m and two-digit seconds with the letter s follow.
12h41
